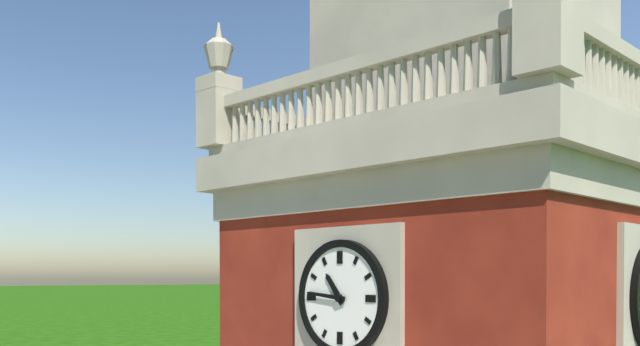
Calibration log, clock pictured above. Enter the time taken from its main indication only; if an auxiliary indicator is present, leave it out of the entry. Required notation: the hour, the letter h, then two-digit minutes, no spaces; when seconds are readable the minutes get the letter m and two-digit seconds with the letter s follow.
10h46
